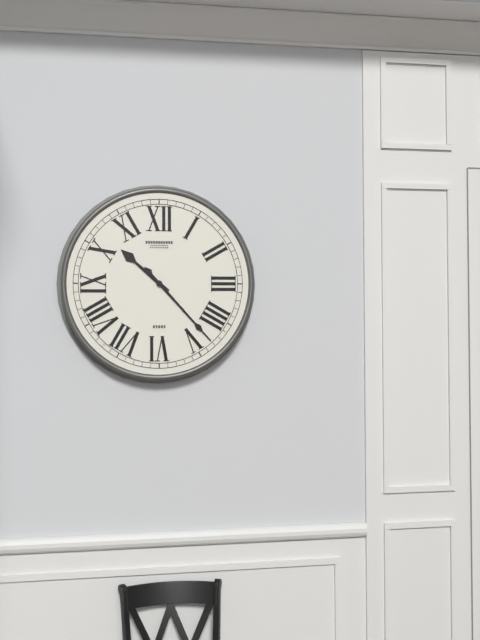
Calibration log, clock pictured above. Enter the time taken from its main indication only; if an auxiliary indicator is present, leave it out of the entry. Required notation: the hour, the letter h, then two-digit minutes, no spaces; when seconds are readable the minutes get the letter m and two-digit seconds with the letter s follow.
10h23
